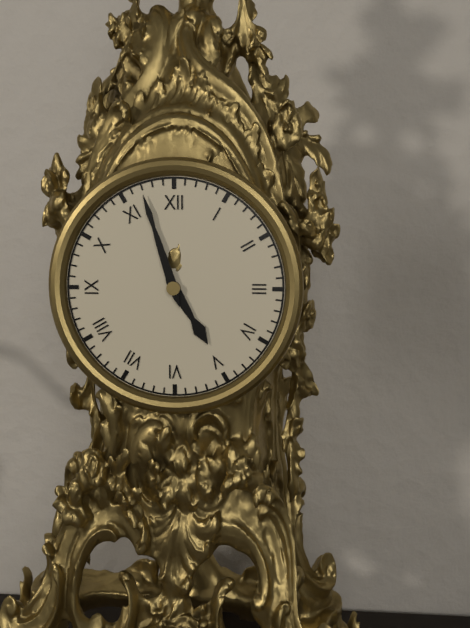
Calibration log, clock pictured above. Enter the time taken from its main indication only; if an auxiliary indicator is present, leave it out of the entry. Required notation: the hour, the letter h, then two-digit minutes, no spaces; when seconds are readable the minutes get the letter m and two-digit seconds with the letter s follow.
4h57
